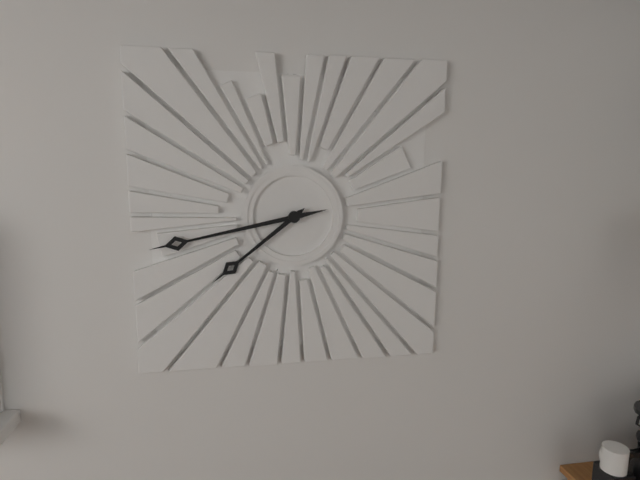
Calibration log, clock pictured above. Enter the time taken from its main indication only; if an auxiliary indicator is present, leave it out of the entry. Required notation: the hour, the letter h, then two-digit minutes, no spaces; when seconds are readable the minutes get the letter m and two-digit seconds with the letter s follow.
7h43
